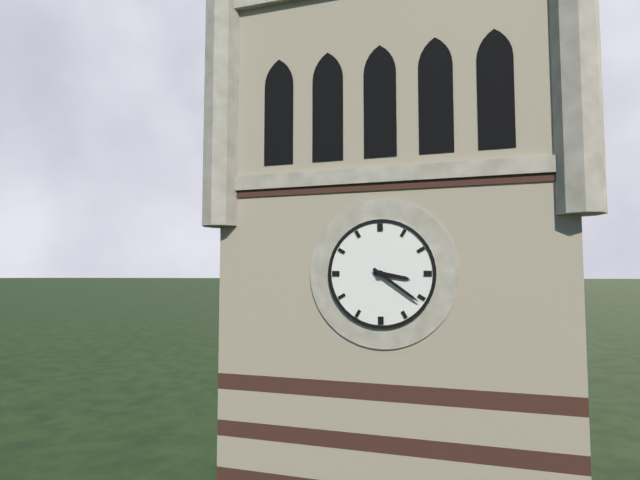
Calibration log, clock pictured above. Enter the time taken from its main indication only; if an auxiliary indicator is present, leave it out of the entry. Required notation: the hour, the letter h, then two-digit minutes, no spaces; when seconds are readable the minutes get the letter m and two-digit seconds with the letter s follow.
3h21
